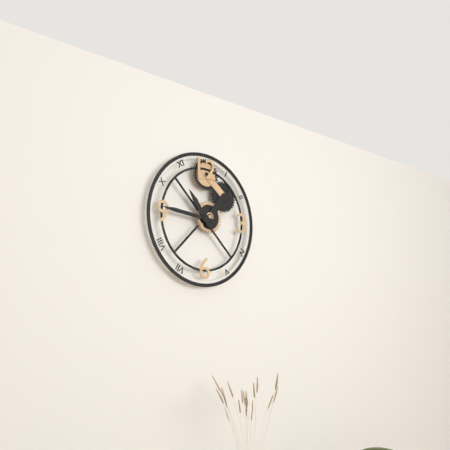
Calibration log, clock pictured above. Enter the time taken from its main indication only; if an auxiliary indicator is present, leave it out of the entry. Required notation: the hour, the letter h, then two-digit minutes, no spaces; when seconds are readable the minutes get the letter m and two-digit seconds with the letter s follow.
10h46
